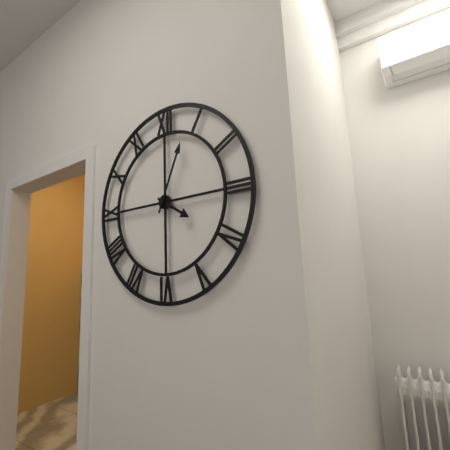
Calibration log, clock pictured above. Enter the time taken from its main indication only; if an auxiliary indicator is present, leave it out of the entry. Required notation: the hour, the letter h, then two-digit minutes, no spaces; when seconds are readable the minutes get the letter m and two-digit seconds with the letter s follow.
4h04
